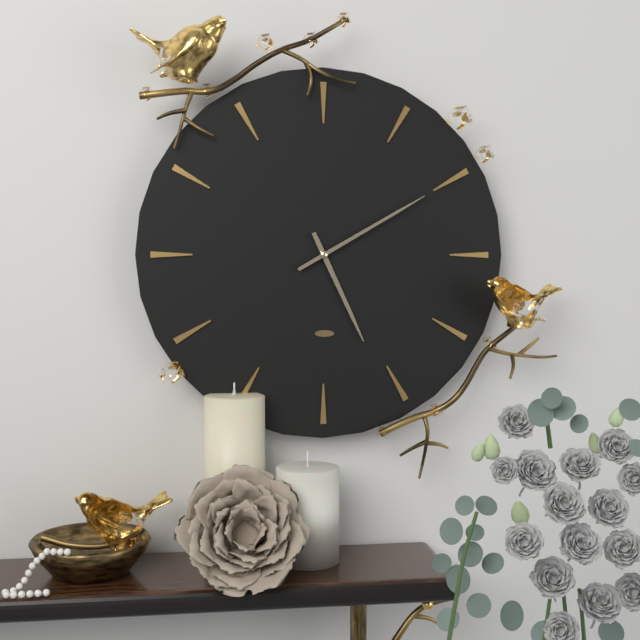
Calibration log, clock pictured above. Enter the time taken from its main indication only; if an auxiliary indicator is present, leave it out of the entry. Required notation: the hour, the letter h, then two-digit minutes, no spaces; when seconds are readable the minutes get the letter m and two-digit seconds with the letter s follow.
5h10
